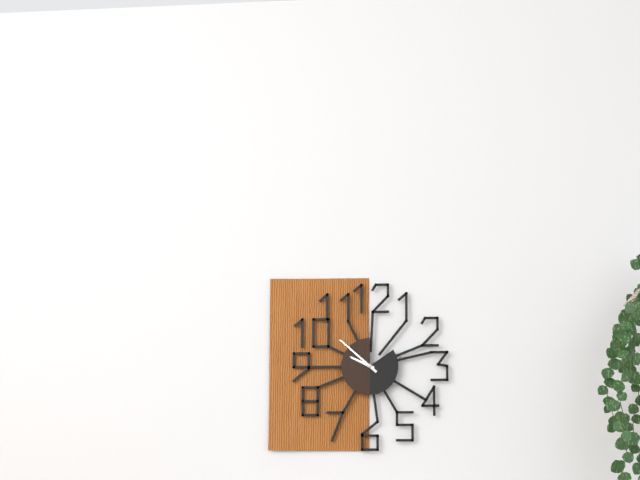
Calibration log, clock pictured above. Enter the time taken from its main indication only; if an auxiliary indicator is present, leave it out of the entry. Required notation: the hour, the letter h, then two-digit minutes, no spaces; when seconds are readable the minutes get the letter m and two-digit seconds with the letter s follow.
9h52
